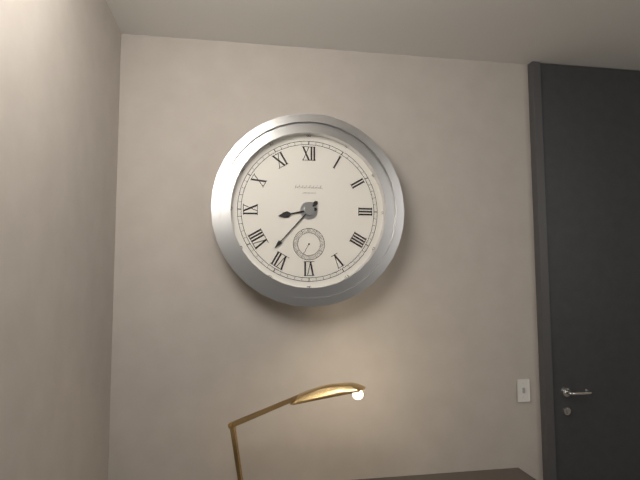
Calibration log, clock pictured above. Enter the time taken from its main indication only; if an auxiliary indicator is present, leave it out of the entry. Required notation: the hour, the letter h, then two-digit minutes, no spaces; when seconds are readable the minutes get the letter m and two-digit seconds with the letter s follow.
8h37
